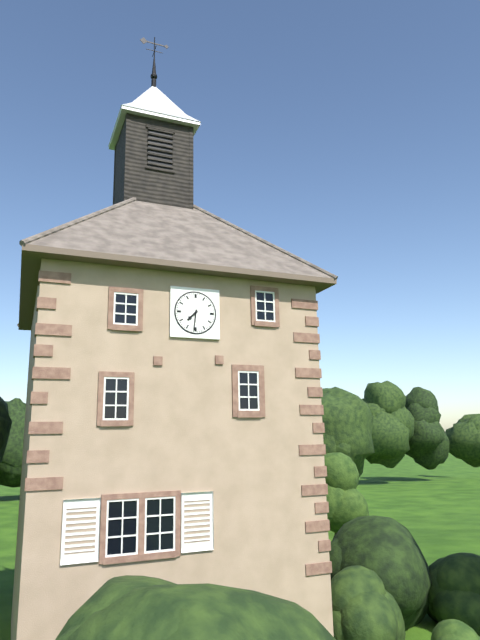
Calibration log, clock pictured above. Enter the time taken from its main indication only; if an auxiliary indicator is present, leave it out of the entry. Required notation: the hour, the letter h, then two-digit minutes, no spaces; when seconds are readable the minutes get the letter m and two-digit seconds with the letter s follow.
7h31
